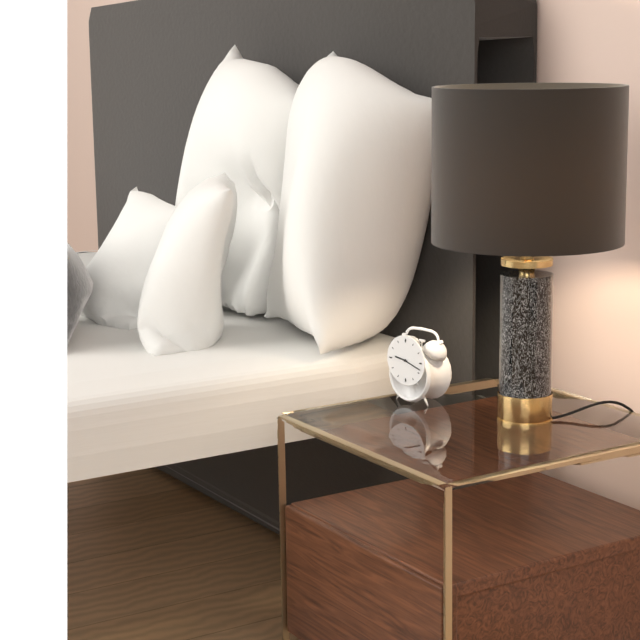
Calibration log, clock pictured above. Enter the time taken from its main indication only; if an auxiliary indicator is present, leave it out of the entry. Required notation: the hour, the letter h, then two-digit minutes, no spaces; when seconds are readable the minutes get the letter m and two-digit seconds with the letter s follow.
9h18
